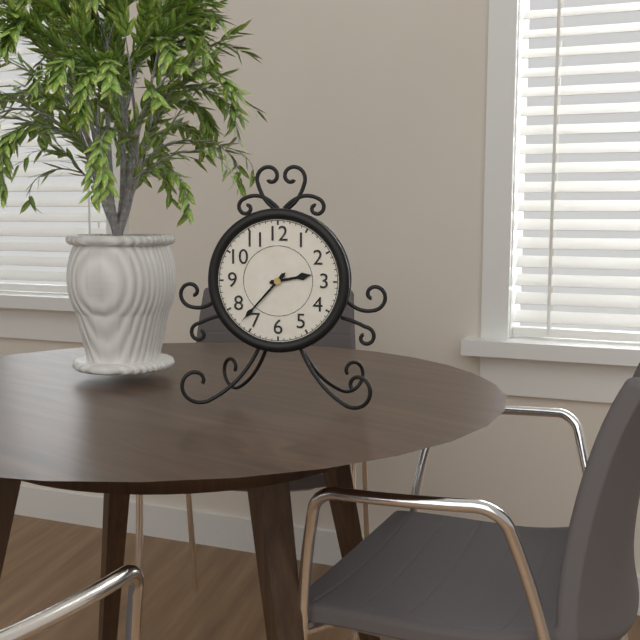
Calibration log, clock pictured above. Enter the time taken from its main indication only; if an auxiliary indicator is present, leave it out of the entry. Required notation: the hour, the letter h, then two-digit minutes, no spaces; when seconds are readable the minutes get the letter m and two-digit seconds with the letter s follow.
2h37
